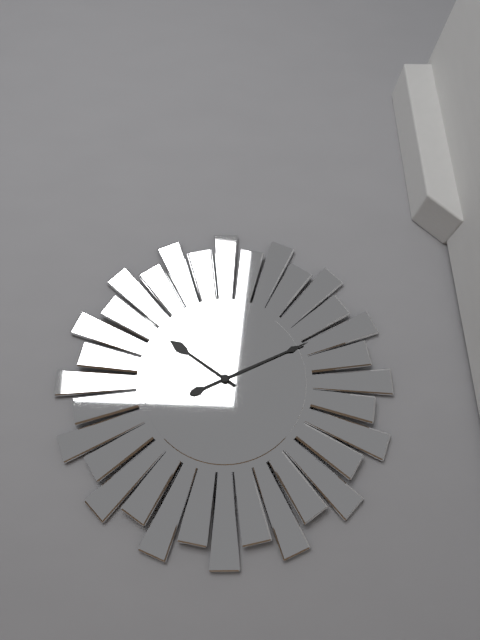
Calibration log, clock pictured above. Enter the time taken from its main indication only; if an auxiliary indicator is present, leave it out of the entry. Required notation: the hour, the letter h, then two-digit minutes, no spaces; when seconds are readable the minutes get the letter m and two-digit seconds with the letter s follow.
10h11
